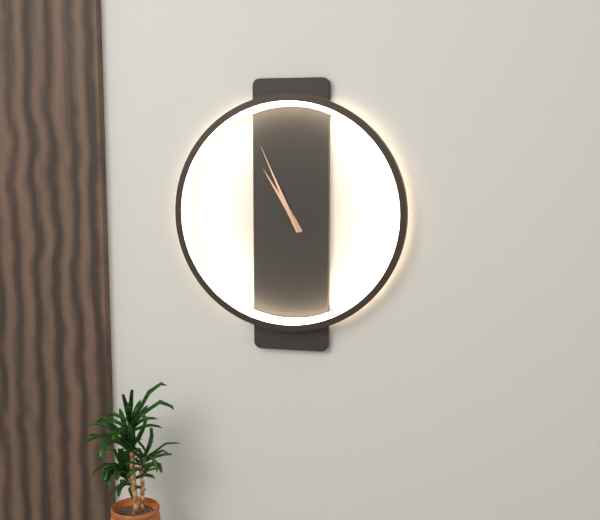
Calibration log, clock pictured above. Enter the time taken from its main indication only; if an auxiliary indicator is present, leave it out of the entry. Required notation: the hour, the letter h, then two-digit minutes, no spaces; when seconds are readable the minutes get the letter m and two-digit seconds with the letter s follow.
10h56
